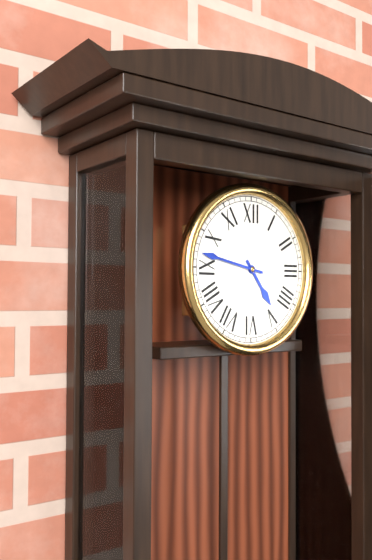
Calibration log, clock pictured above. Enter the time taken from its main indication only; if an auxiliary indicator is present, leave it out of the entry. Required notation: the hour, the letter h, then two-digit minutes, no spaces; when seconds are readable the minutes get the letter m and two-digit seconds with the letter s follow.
4h47
